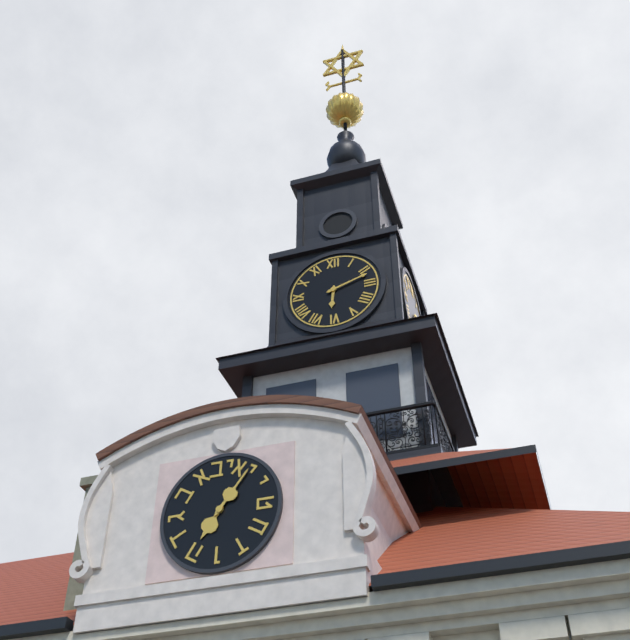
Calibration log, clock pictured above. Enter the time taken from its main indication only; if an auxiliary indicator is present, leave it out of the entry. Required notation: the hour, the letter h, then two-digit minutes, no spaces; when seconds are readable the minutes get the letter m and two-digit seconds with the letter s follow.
6h12
